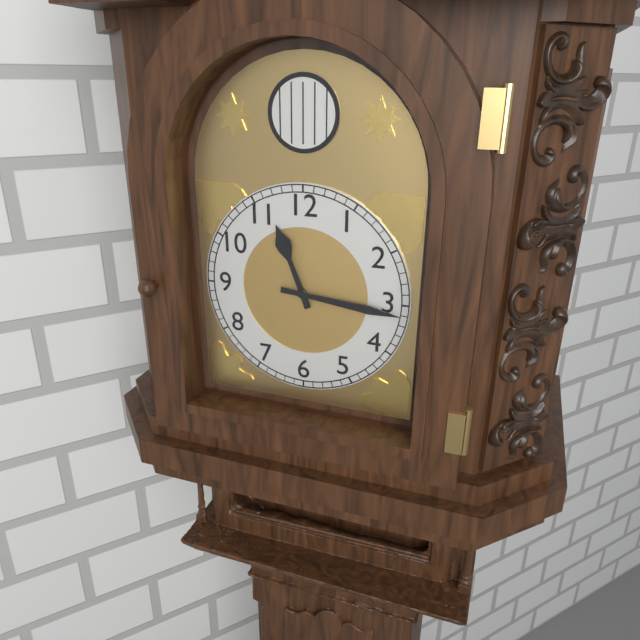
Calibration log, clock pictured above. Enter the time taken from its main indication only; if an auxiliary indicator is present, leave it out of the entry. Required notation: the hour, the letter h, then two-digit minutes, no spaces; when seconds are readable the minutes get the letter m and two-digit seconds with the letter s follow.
11h16
